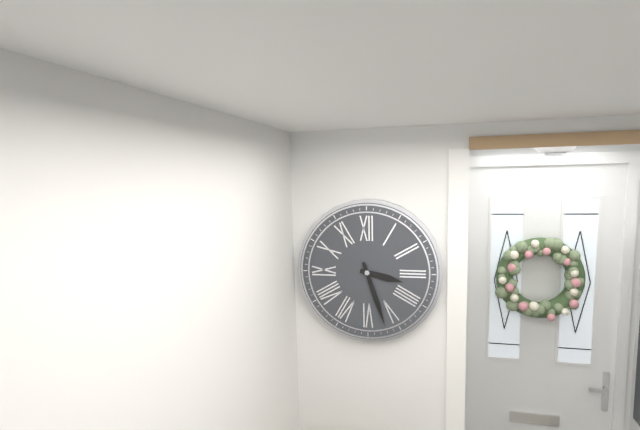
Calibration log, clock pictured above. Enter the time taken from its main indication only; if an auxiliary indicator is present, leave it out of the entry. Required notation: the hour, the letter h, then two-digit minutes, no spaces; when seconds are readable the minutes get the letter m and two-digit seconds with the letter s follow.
3h27
